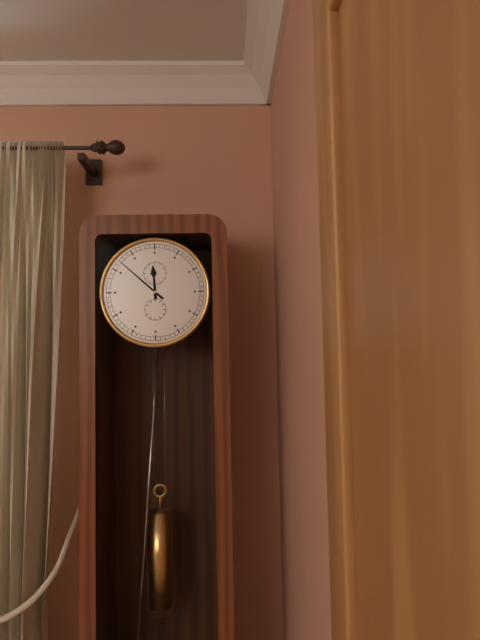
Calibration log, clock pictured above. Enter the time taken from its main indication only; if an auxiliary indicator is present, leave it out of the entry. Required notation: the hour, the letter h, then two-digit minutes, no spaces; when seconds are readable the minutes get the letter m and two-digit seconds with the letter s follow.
11h52
